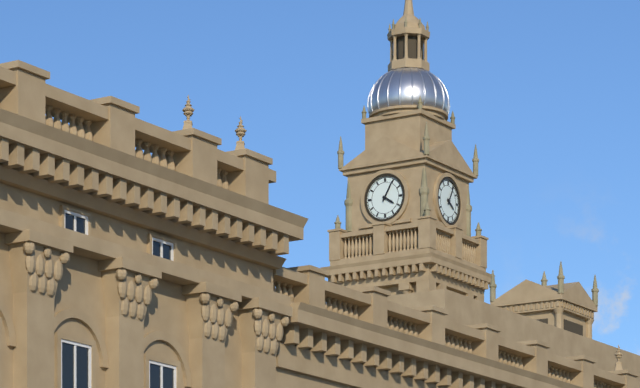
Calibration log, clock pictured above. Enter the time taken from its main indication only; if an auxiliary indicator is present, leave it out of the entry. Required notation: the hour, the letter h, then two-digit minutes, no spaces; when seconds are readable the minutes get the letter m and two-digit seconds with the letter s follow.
4h05
